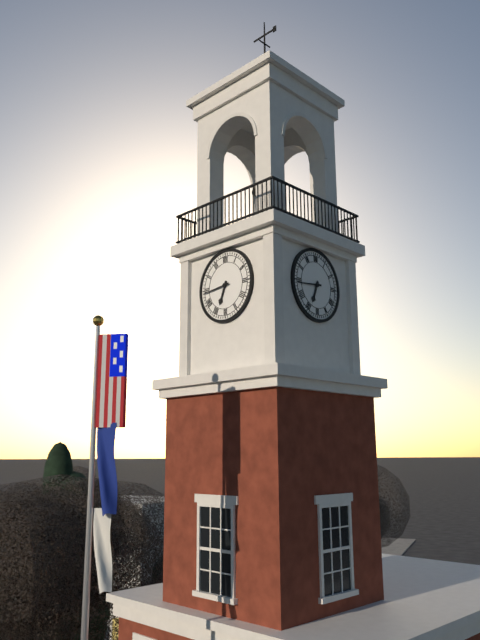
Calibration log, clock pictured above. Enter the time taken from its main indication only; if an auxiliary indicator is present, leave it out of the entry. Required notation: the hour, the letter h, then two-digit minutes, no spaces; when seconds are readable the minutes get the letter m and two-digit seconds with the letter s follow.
6h44
